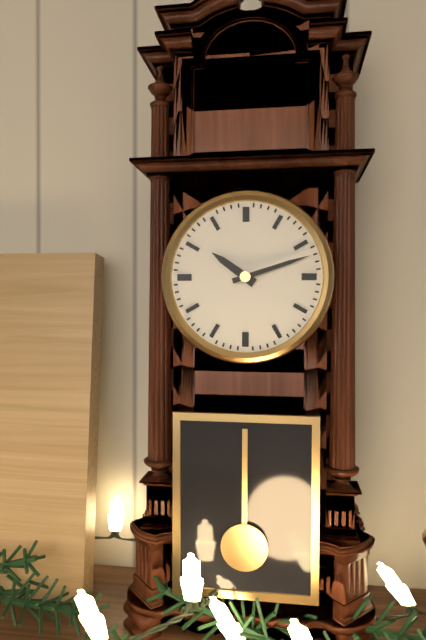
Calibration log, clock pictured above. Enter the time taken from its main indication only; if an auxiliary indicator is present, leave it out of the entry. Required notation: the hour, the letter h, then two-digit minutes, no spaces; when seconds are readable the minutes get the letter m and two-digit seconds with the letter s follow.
10h12
